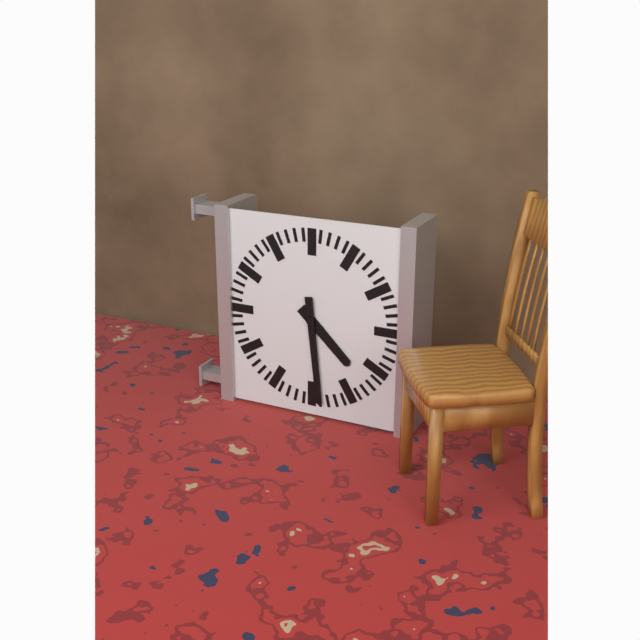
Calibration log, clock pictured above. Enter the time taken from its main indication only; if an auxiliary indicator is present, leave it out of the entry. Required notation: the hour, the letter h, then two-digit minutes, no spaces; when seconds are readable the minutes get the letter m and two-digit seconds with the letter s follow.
4h29
